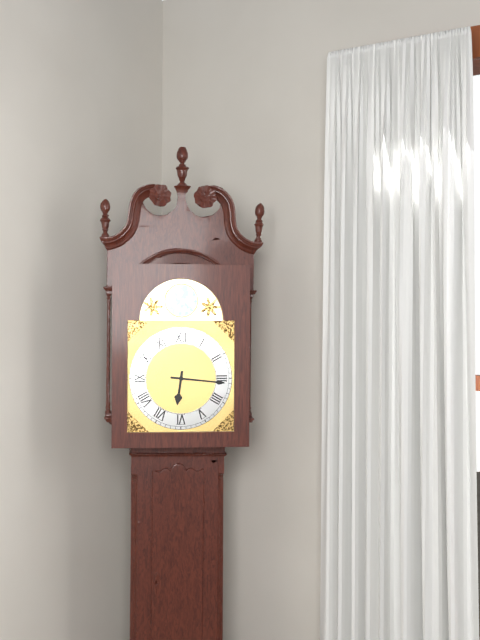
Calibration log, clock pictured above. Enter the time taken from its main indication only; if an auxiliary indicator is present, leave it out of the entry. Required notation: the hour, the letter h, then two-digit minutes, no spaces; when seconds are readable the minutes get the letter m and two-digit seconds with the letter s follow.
6h16
